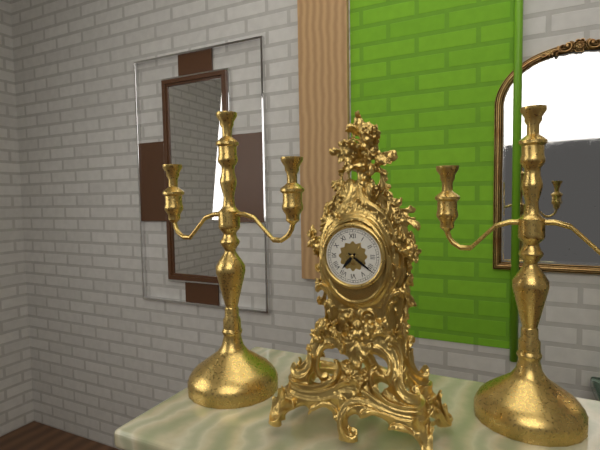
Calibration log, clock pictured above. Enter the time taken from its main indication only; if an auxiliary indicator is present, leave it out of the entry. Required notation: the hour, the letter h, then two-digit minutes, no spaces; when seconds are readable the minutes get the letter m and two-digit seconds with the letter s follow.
7h21
